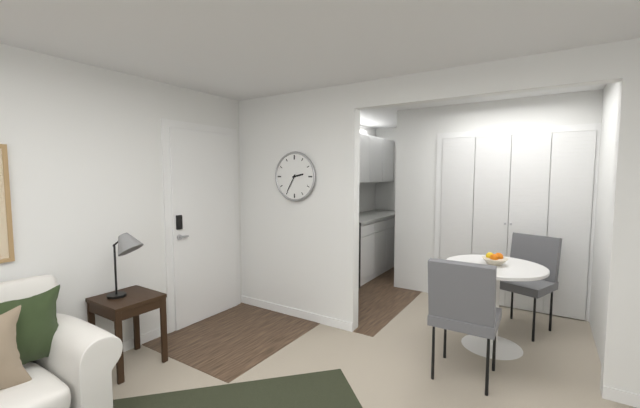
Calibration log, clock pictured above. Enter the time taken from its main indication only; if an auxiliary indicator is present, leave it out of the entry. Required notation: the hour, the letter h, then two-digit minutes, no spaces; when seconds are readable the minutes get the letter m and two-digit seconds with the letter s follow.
2h35
